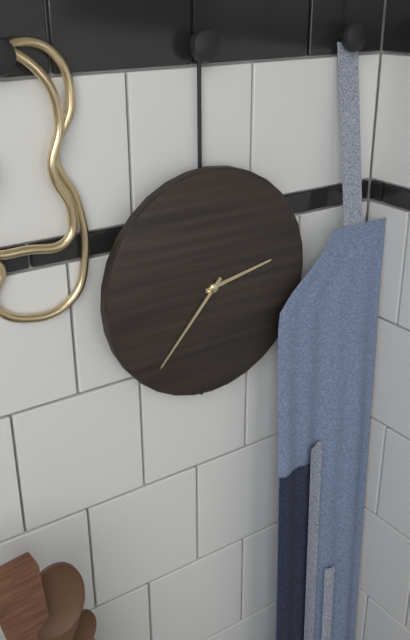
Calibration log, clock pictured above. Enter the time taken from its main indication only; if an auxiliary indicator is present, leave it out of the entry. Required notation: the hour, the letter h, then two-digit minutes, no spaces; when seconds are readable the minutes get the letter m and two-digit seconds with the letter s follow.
2h37
